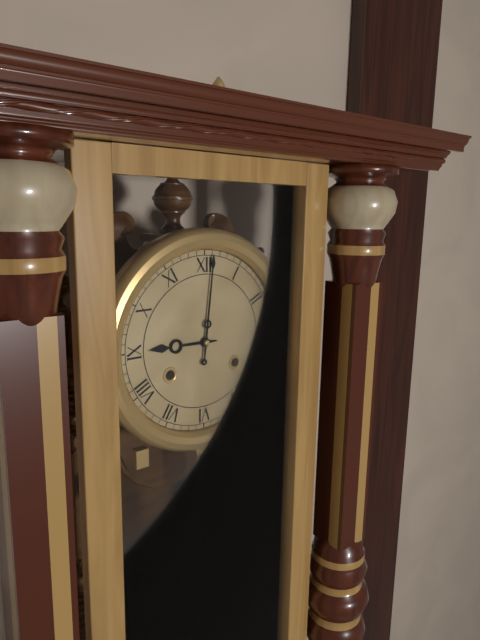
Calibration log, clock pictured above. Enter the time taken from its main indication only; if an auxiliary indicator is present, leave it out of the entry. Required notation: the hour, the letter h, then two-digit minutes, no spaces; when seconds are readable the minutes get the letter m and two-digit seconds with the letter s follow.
9h01
